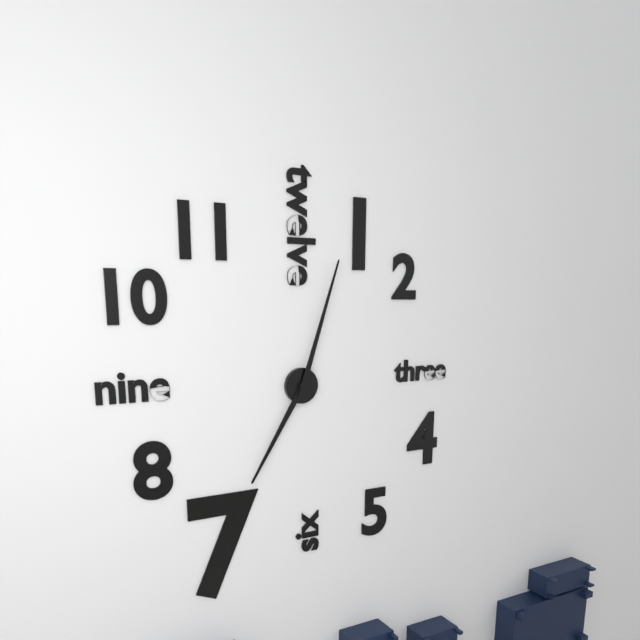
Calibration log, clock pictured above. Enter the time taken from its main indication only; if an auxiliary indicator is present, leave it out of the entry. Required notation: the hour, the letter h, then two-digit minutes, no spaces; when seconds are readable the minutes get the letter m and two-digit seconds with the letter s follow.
7h03
